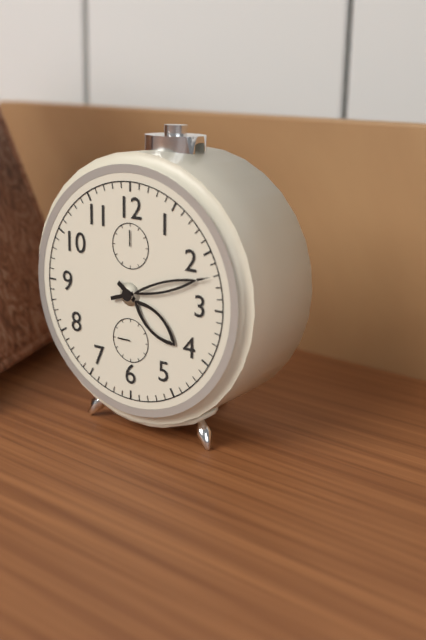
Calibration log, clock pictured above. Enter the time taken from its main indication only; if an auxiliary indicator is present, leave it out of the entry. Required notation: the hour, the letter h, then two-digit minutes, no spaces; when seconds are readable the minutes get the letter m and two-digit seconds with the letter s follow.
4h12
